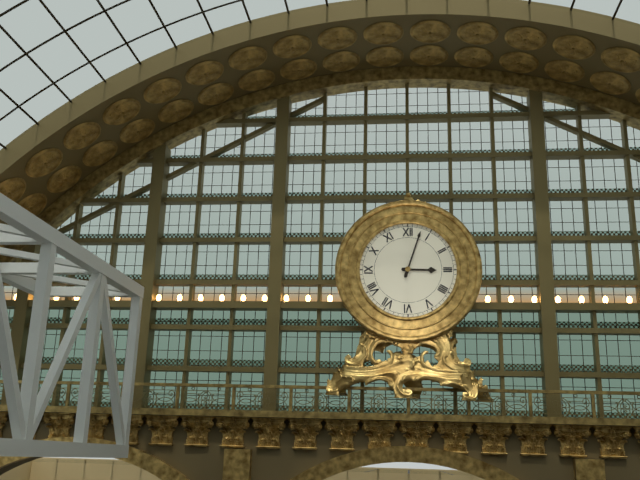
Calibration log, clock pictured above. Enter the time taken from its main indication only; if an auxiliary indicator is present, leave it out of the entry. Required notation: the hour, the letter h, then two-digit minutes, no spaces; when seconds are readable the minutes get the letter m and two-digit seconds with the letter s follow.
3h03
